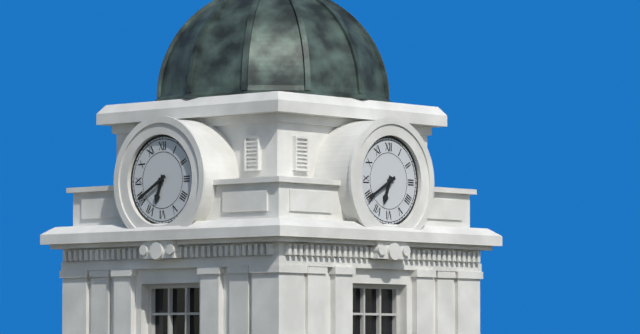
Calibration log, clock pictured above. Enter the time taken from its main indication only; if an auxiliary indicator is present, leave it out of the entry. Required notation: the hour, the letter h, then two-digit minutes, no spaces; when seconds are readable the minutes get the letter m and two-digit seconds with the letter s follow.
6h40
